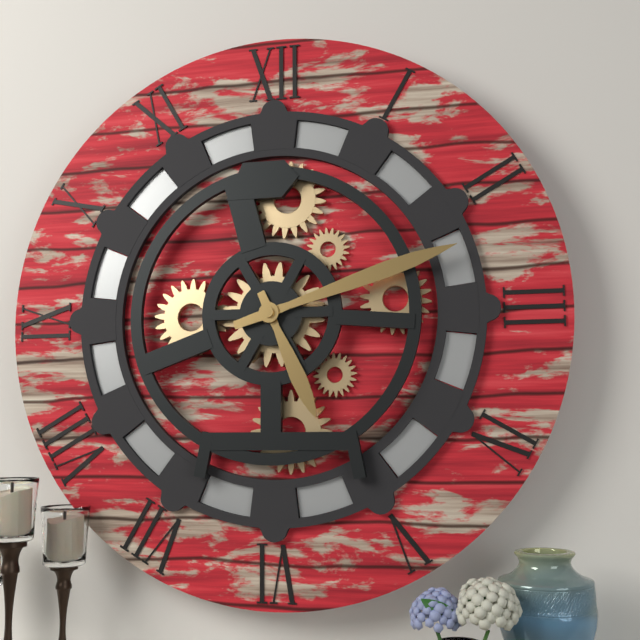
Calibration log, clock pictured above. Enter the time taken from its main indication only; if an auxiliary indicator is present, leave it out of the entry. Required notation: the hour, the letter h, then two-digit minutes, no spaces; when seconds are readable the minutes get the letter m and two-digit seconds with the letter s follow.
5h12
